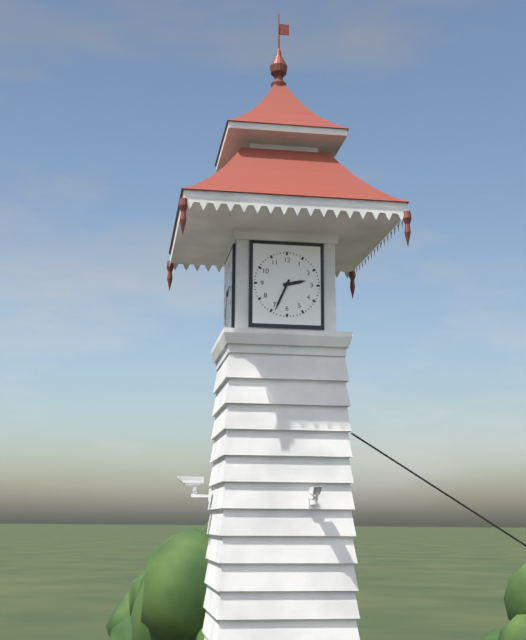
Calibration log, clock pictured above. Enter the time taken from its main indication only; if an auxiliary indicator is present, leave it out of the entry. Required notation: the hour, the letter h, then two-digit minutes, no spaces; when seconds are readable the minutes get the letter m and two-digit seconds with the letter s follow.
2h34
